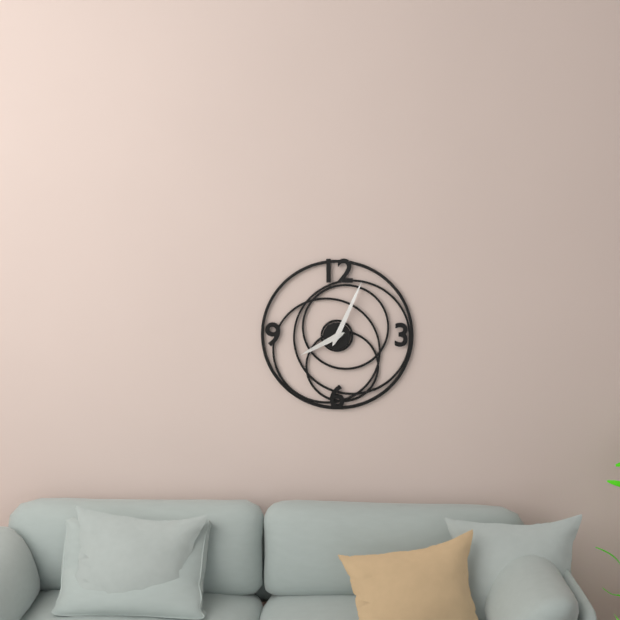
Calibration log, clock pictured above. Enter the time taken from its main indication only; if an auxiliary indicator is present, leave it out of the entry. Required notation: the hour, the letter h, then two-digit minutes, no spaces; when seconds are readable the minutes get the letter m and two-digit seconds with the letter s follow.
8h04
